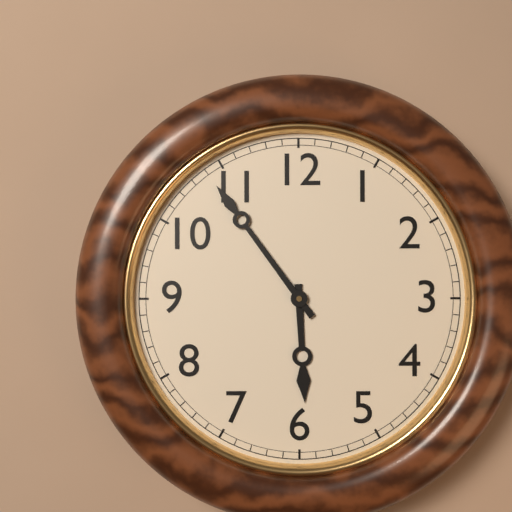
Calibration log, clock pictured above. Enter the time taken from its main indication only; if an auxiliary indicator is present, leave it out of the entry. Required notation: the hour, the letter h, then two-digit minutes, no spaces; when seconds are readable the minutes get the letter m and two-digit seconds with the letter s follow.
5h54
